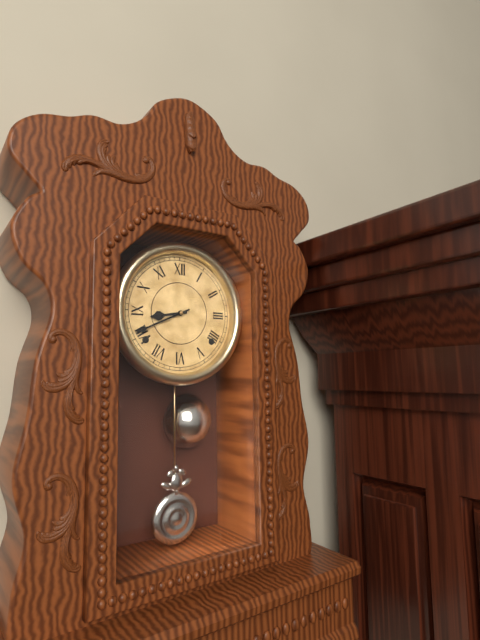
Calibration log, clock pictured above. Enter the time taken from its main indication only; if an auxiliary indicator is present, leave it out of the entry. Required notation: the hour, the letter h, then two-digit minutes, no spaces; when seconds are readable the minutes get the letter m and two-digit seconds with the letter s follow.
8h41
